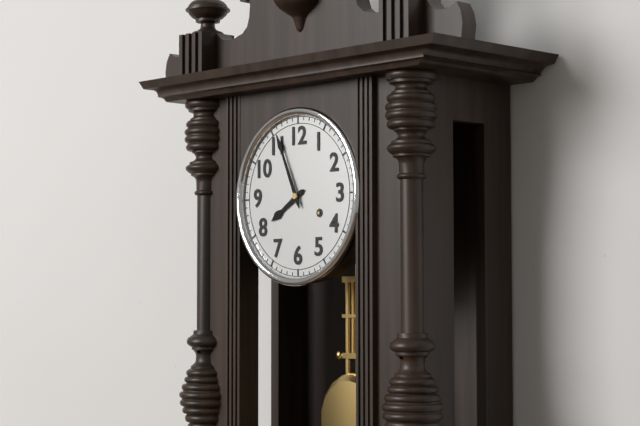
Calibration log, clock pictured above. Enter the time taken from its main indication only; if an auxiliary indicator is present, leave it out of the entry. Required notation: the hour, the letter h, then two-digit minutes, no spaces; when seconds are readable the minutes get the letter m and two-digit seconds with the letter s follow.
7h56
